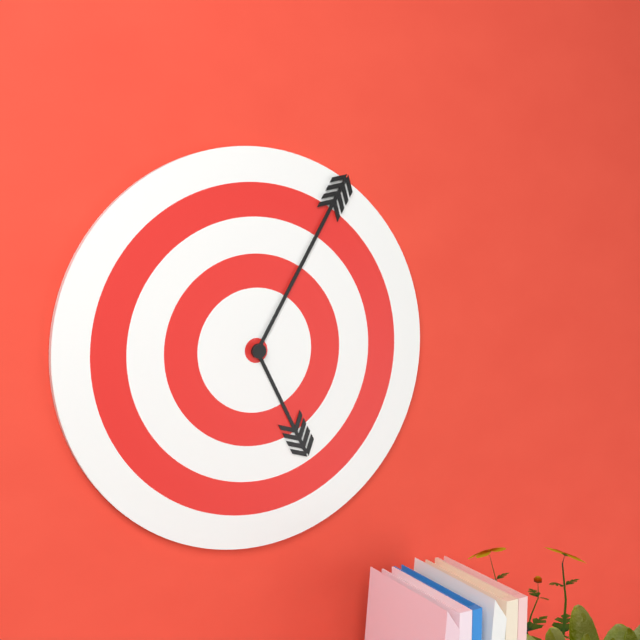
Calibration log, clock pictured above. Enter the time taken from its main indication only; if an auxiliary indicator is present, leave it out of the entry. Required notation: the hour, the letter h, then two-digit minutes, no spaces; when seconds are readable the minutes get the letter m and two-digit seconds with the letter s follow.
5h05
